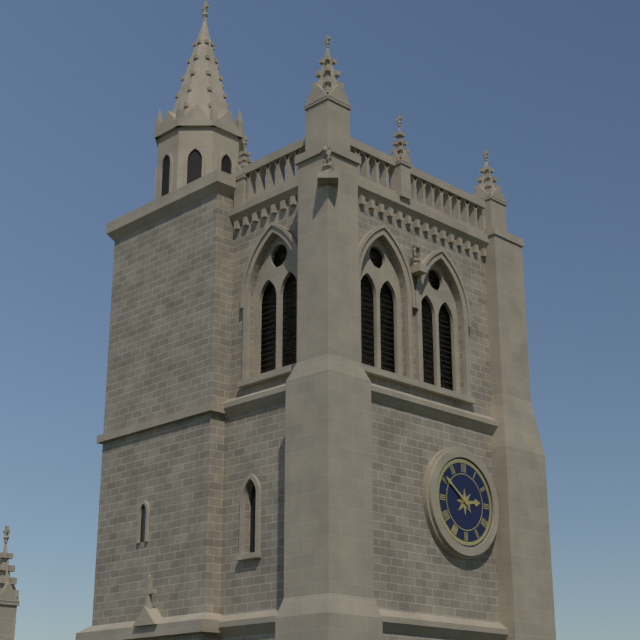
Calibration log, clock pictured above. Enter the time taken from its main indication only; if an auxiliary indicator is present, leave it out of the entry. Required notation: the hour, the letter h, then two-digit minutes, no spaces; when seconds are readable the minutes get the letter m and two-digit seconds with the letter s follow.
2h51
